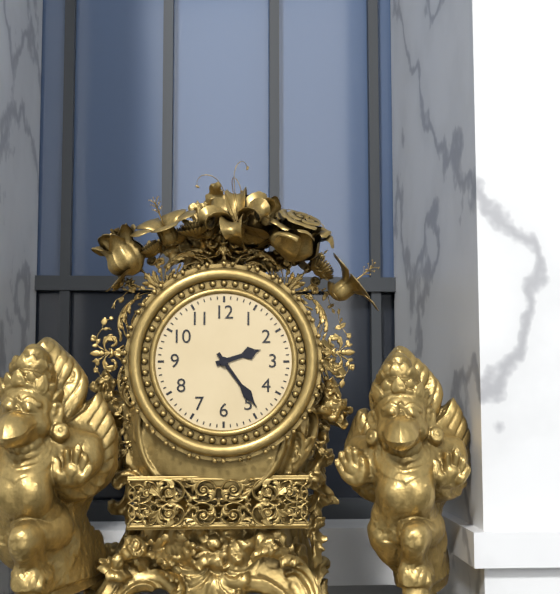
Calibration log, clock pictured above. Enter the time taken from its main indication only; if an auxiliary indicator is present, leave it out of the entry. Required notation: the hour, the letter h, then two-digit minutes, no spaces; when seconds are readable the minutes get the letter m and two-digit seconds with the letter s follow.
2h24
